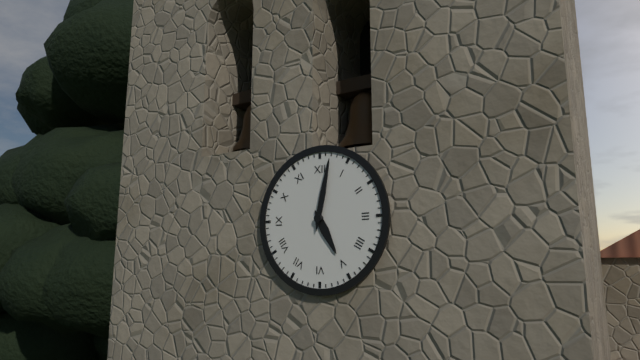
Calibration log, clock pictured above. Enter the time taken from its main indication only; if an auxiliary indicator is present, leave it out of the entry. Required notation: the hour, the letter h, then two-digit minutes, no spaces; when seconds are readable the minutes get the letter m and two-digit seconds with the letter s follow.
5h02
